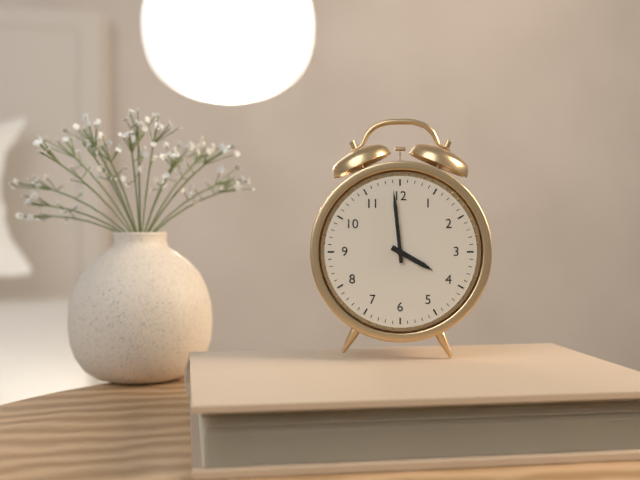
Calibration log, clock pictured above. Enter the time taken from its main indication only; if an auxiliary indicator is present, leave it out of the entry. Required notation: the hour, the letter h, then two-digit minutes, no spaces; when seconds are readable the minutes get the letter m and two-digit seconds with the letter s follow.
3h59
